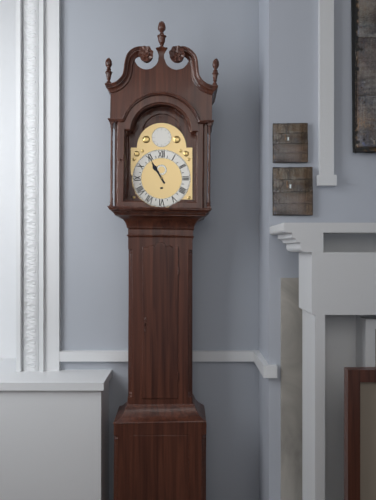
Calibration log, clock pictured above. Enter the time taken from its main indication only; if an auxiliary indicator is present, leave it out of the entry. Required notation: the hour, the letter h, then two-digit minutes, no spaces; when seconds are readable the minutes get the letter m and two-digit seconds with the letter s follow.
10h55
